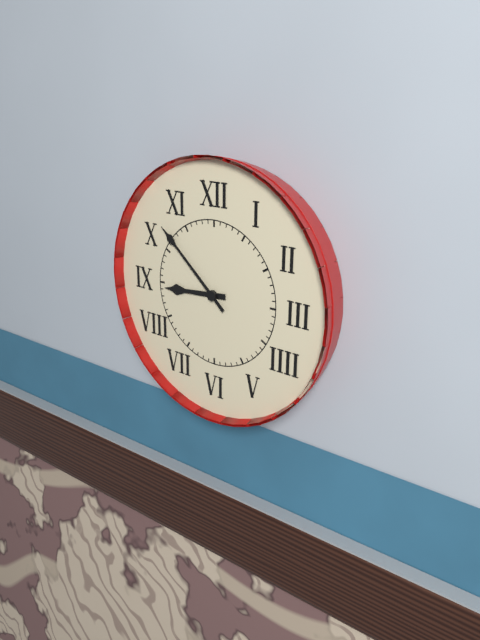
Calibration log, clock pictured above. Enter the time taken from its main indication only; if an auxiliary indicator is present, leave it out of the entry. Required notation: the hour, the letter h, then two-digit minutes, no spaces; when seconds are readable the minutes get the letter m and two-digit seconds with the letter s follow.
8h52
